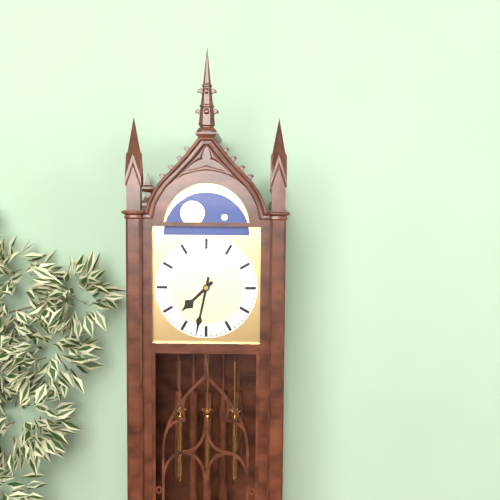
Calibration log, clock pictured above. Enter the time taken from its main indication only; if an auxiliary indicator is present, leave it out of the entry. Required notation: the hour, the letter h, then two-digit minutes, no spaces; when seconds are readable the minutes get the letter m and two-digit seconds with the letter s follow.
7h32
